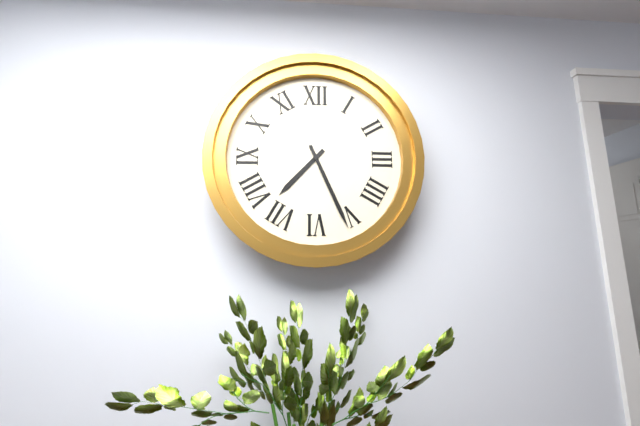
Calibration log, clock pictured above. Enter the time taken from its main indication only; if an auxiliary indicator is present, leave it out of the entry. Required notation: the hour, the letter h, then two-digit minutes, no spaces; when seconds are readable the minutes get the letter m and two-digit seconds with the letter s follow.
7h26
